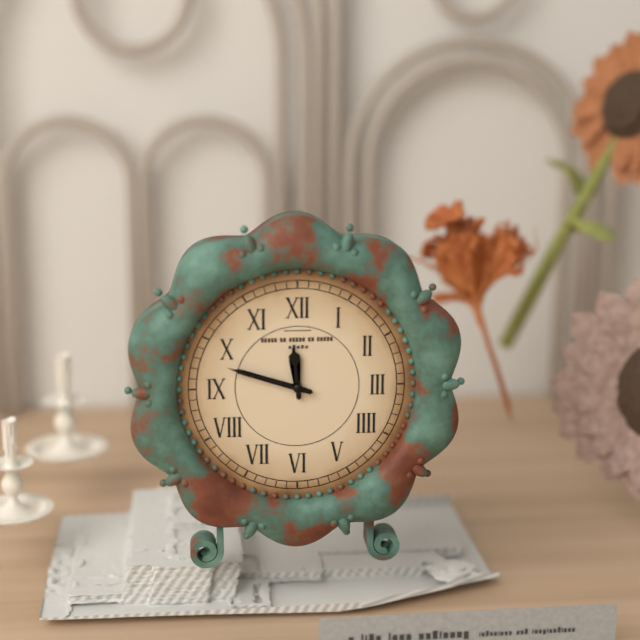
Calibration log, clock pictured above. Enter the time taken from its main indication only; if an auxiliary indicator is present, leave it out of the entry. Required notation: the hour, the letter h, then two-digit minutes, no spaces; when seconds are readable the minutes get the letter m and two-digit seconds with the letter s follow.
11h48
